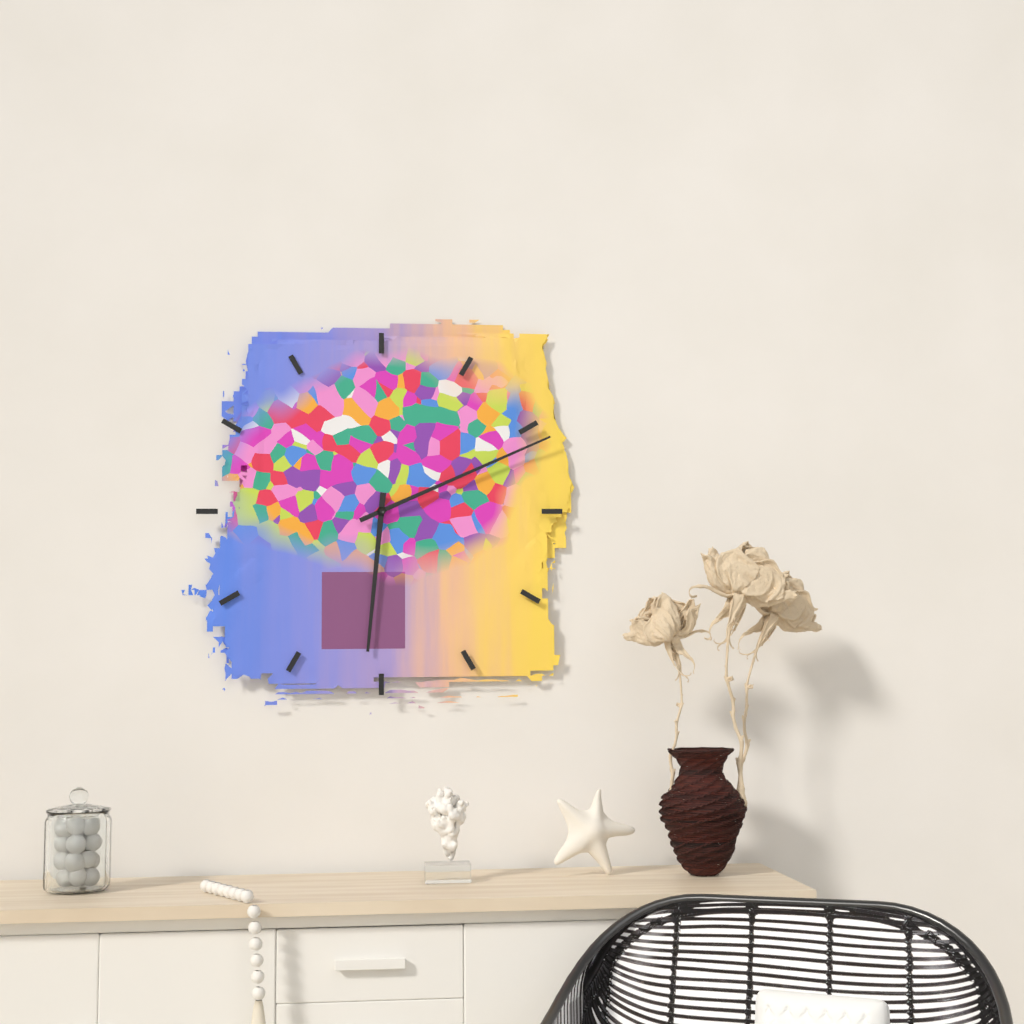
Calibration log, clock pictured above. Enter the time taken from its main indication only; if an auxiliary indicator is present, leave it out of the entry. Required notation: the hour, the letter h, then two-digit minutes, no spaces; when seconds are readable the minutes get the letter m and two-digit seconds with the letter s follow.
6h11
